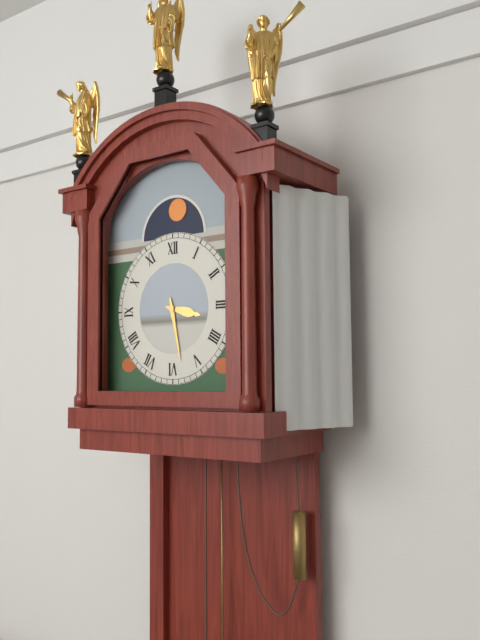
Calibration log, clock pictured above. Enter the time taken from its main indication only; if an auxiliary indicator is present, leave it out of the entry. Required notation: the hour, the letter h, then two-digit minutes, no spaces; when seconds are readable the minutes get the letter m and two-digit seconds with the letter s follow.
3h28
